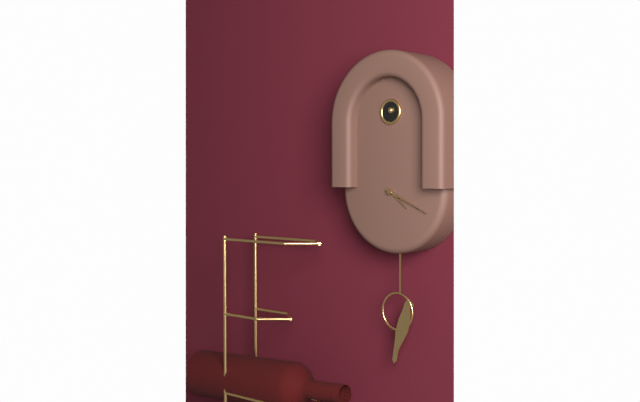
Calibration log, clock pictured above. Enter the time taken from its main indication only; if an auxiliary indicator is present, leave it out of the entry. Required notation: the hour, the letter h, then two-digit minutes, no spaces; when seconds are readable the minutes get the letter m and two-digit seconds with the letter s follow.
4h19
